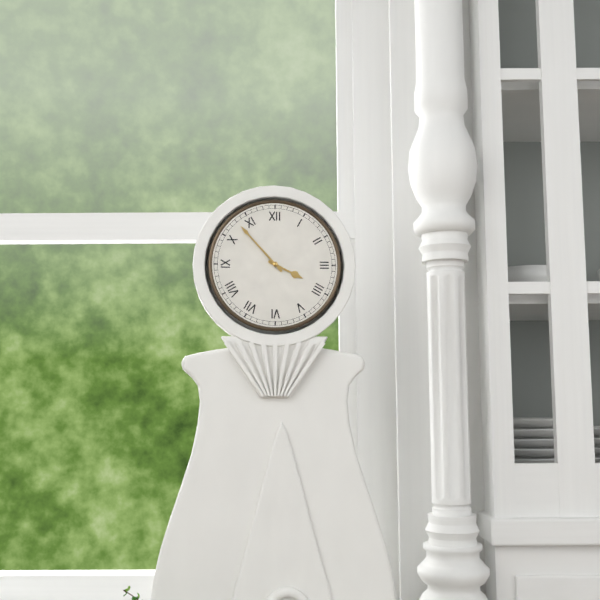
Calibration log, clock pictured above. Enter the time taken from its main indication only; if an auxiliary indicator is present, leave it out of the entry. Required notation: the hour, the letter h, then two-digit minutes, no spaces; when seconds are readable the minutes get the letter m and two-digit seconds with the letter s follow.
3h53
